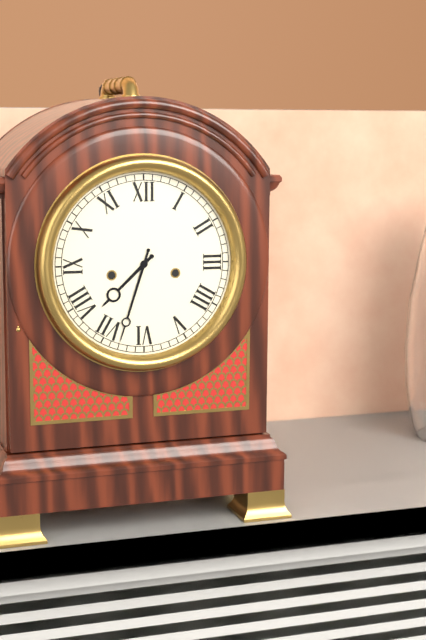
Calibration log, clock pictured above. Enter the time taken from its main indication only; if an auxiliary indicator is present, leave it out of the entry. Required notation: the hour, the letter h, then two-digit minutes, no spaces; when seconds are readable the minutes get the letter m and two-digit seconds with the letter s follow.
7h33
